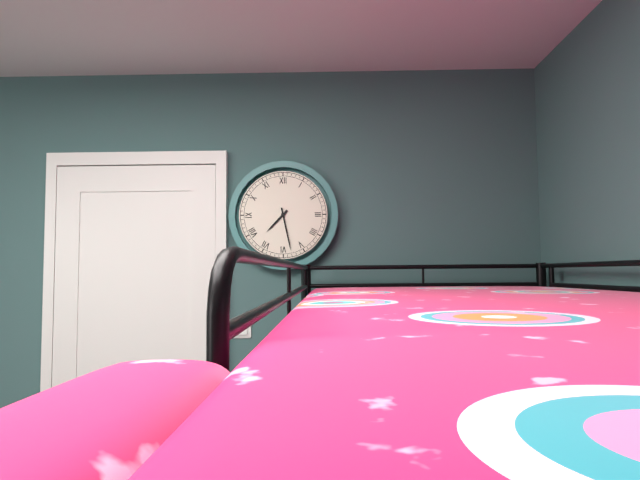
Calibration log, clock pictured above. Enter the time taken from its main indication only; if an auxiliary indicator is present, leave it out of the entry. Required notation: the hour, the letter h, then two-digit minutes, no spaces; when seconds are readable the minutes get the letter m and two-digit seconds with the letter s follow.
7h28
